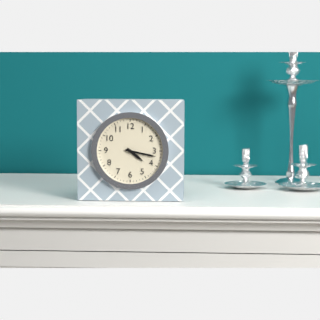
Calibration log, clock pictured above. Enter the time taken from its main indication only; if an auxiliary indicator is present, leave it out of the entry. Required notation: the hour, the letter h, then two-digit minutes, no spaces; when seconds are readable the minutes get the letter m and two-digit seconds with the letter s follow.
4h17
